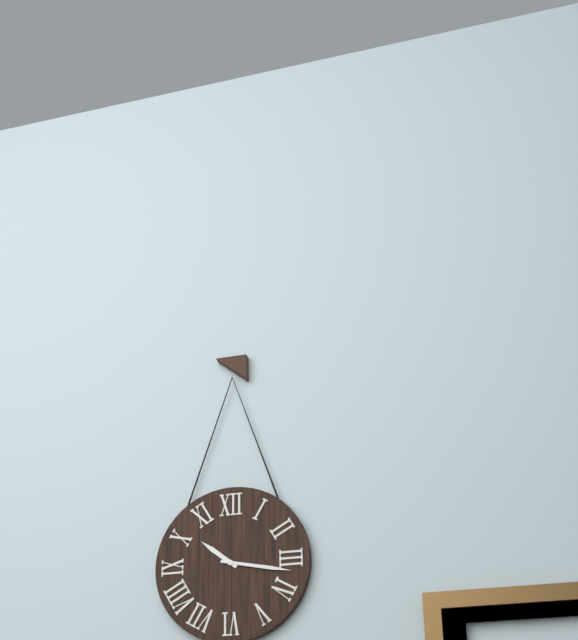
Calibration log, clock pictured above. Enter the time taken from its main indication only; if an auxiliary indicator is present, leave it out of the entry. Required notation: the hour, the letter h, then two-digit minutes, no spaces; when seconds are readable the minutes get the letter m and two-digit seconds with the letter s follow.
10h17
